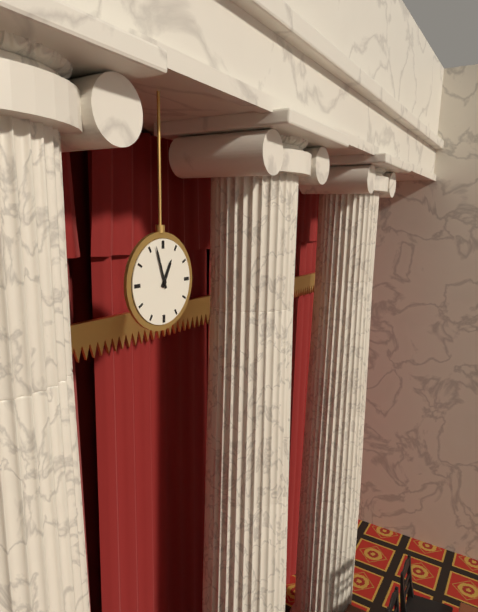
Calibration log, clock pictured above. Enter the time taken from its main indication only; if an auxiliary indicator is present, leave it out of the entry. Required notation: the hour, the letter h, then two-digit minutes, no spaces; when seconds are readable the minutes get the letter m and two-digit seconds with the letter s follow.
12h57
